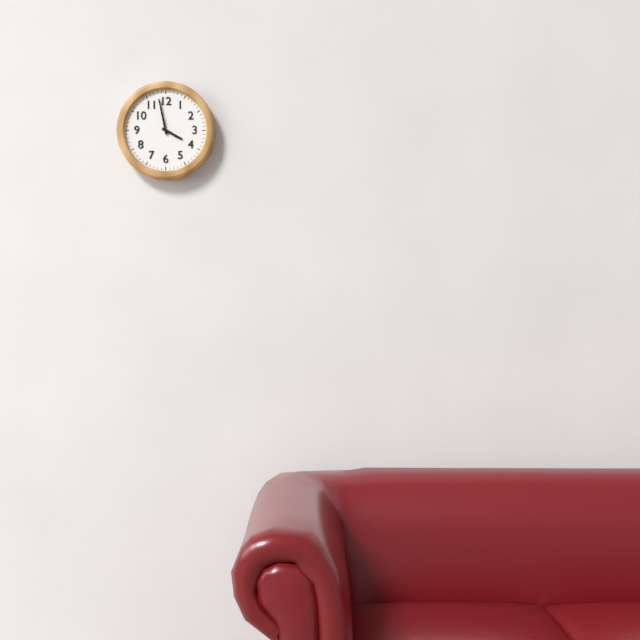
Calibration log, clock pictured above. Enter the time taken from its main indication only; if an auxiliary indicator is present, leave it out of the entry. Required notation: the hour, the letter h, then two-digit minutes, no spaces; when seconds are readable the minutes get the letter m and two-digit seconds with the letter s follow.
3h58
